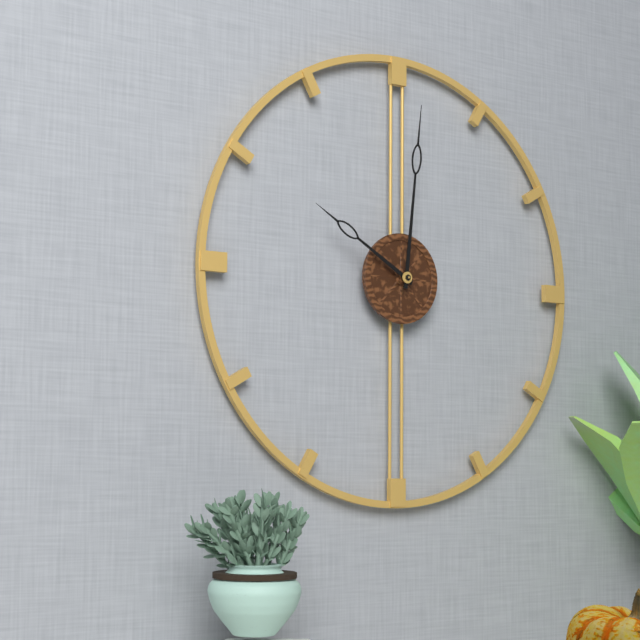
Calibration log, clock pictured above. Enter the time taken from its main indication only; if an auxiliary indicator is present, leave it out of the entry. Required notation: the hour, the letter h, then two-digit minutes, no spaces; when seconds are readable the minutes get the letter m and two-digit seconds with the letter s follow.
10h01
